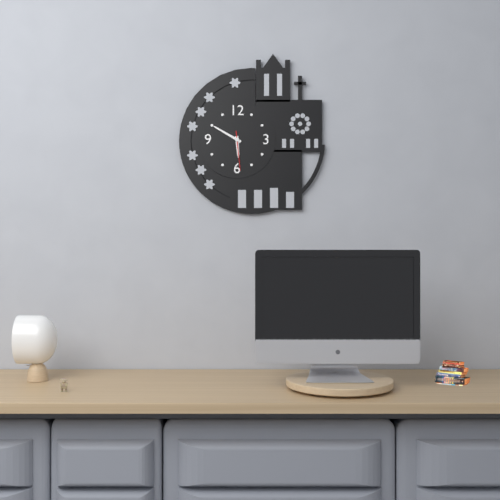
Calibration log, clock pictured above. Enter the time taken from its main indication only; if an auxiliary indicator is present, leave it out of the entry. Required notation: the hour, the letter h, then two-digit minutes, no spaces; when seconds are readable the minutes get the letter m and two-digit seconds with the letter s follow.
5h50
